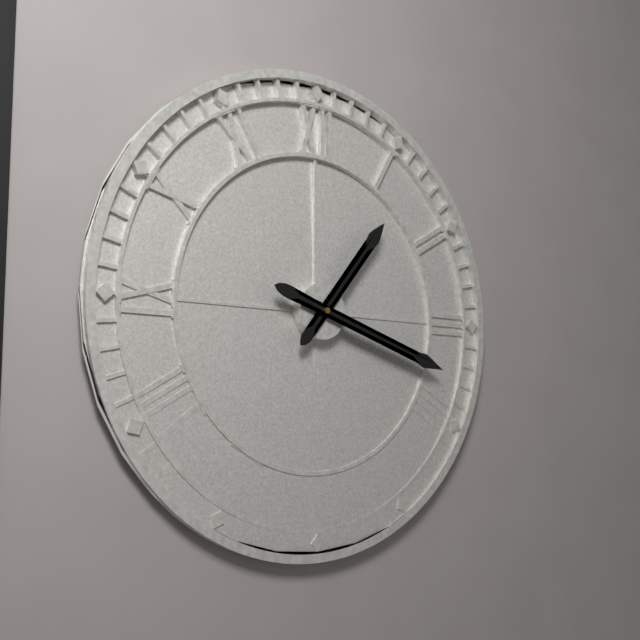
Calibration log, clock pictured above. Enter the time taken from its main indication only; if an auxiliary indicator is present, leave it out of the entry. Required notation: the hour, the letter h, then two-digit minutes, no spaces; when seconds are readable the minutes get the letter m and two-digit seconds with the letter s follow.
1h18
